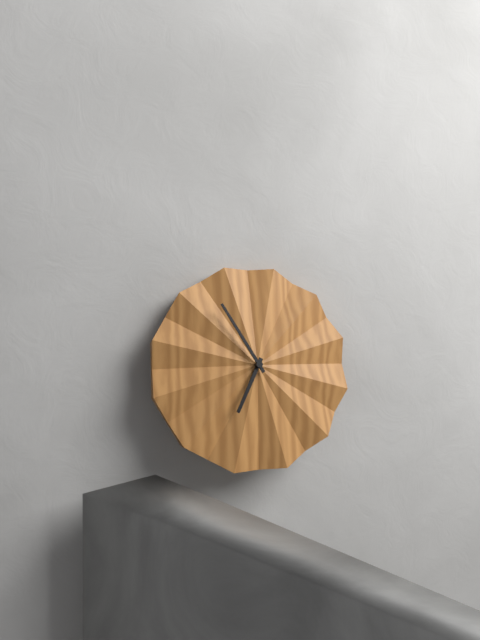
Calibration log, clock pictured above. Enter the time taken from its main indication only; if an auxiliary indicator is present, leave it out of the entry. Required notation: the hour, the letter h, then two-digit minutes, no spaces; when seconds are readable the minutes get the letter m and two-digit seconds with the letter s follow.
6h55
